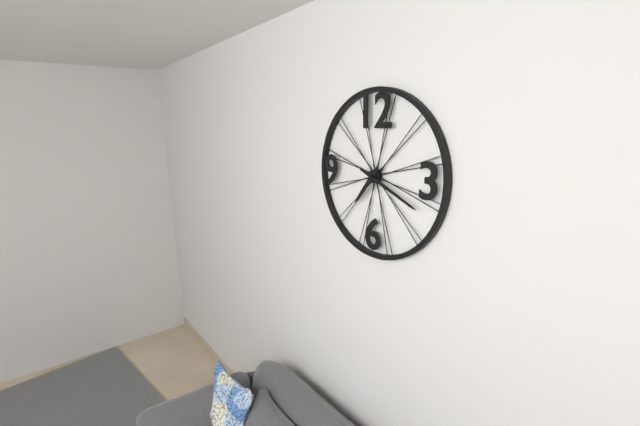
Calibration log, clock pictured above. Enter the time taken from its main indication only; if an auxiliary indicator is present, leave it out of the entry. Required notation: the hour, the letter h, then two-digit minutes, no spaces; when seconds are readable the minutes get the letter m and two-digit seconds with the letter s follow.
7h19
